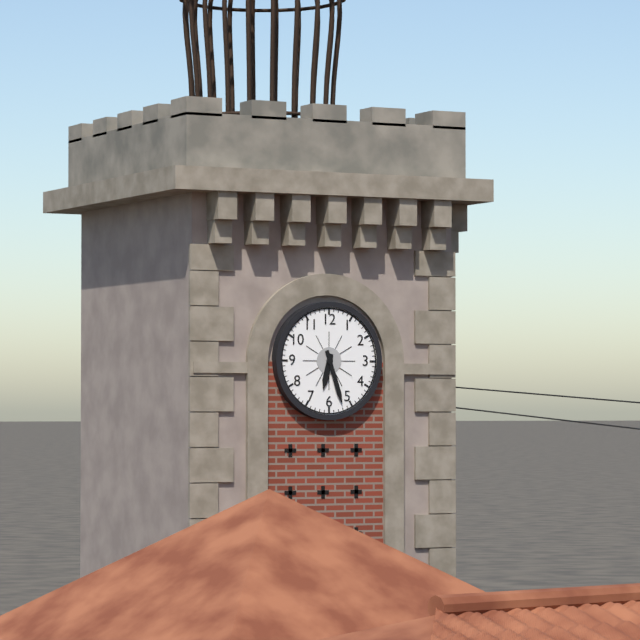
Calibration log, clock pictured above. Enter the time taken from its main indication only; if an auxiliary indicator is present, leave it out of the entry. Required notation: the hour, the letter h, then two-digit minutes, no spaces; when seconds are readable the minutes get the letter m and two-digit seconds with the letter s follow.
6h27
